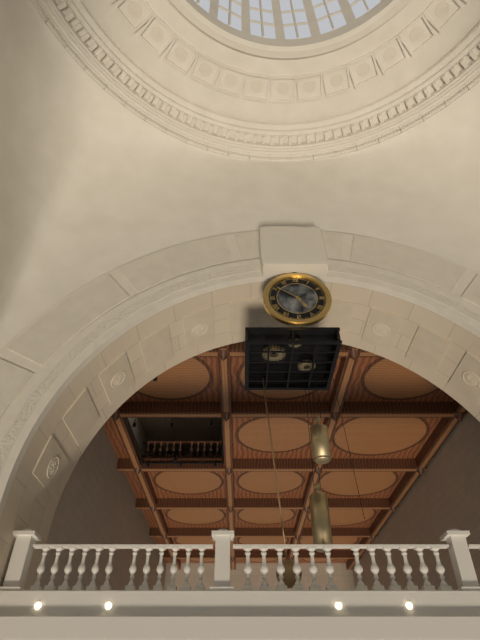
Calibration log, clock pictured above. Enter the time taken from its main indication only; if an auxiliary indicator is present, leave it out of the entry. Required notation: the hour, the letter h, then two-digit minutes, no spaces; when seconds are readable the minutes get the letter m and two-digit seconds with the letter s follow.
4h51
